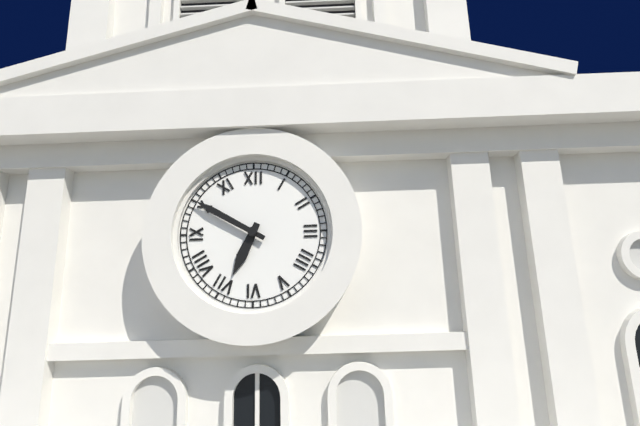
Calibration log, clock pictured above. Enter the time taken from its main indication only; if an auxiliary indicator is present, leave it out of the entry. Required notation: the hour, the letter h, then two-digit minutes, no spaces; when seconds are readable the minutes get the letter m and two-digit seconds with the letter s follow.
6h50
